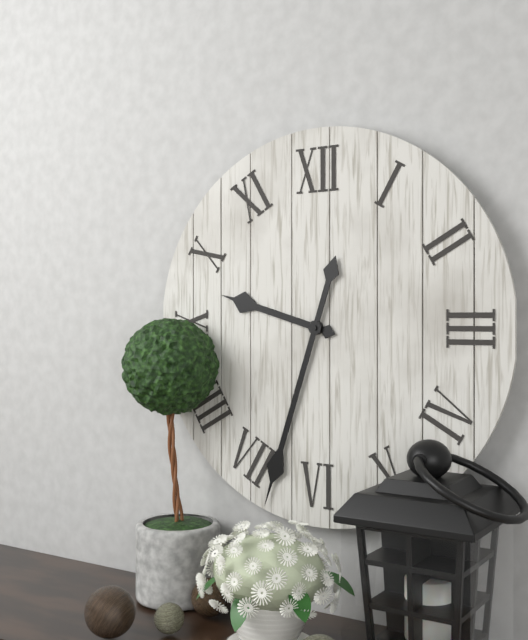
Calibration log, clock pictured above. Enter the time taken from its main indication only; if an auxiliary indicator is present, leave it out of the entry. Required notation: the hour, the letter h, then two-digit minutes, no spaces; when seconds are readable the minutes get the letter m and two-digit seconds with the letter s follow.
9h33
